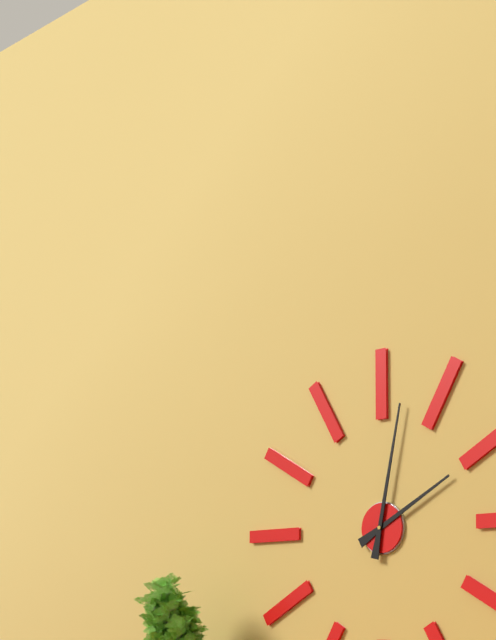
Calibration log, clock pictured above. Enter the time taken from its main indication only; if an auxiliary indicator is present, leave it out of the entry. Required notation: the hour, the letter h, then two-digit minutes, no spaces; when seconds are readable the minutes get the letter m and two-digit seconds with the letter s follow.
2h02
